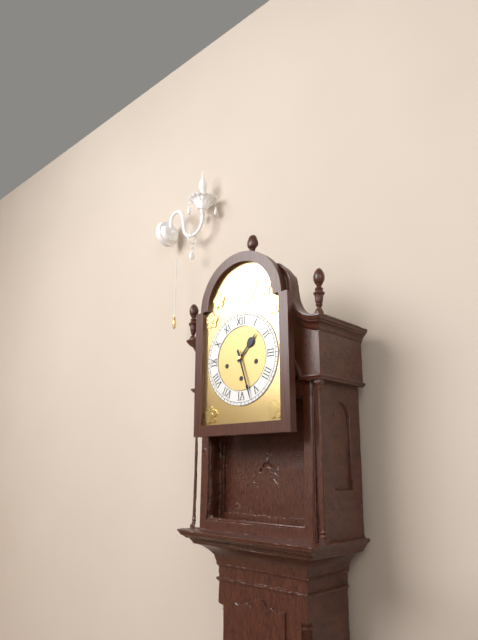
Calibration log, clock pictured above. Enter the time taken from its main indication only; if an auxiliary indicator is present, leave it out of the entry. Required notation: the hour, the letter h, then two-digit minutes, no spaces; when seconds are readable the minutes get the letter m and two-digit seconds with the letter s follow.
1h27
